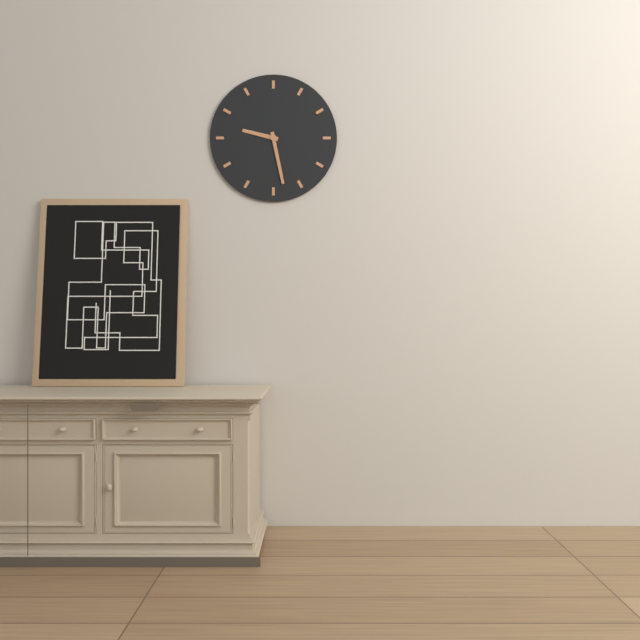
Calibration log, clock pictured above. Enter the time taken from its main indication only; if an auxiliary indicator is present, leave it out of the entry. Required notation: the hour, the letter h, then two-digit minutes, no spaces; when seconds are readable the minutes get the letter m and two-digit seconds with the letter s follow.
9h28
